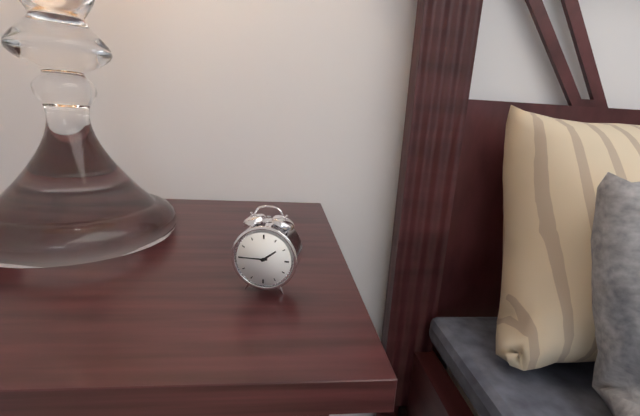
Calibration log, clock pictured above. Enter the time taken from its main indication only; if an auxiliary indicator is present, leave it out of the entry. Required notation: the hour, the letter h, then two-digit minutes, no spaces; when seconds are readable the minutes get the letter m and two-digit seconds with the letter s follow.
1h45
